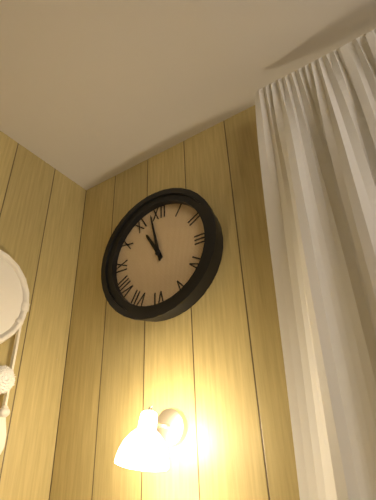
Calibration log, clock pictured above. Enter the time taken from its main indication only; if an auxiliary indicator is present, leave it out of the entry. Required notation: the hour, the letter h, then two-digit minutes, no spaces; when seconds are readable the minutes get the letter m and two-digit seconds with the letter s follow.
10h58
